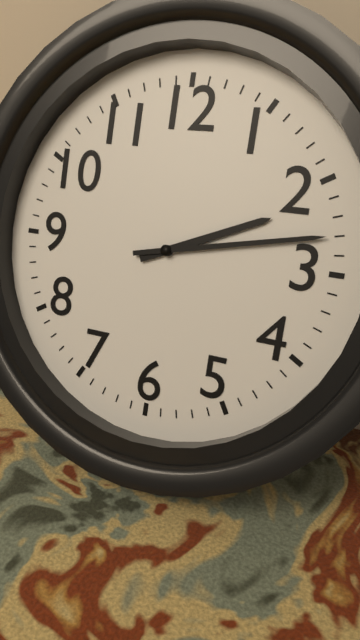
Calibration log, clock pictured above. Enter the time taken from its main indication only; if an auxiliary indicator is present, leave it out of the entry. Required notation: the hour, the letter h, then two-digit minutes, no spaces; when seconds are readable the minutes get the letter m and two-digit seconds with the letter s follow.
2h13
